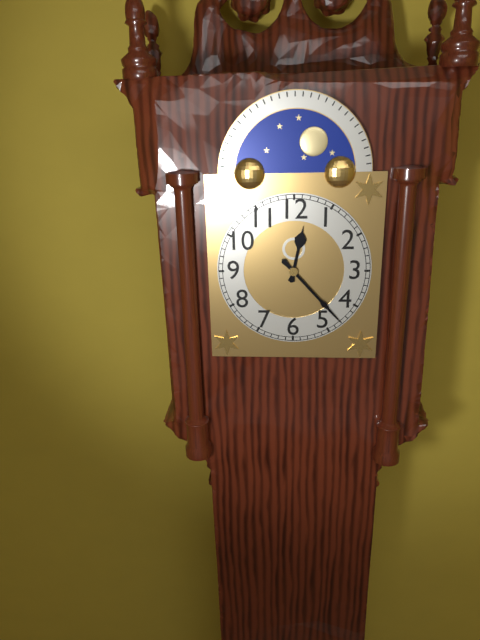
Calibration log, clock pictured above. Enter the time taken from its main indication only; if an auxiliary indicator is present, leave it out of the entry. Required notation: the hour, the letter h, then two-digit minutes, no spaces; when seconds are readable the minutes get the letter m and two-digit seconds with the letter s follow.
12h23
